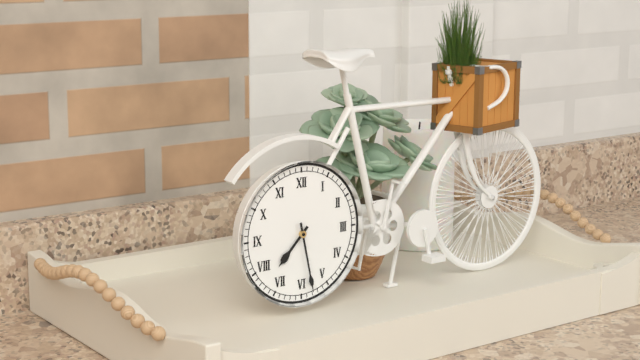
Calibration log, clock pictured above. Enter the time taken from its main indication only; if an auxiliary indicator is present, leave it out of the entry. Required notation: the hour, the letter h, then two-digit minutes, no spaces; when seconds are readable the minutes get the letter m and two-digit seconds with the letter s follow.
7h28
